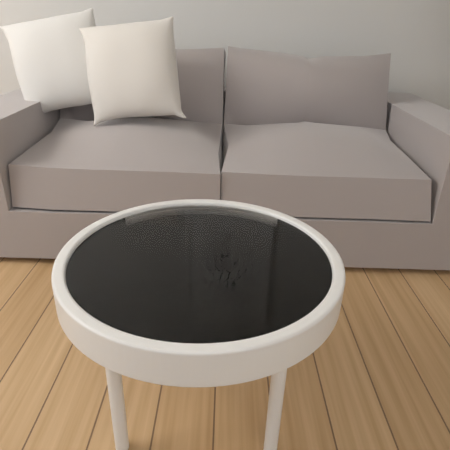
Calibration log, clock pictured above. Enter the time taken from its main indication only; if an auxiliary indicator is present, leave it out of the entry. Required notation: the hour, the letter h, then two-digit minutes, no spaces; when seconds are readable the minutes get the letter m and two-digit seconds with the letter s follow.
5h39
